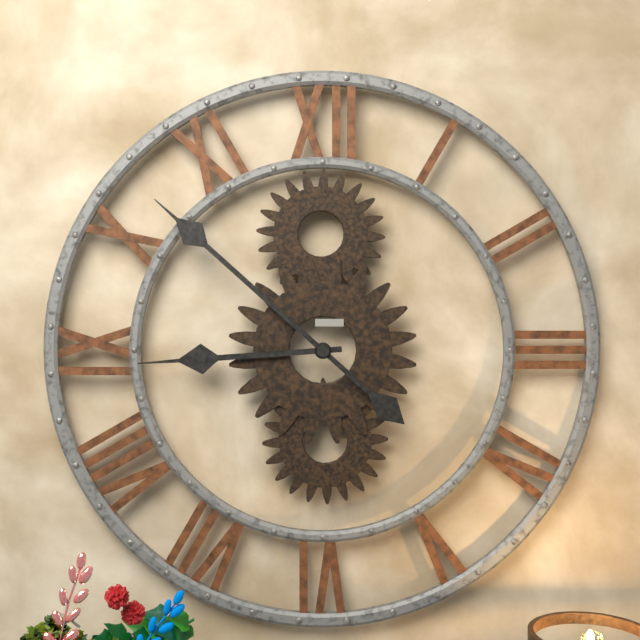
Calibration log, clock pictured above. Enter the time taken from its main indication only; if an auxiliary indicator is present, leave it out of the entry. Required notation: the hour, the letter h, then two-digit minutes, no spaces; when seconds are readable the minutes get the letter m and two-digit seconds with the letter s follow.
8h52
